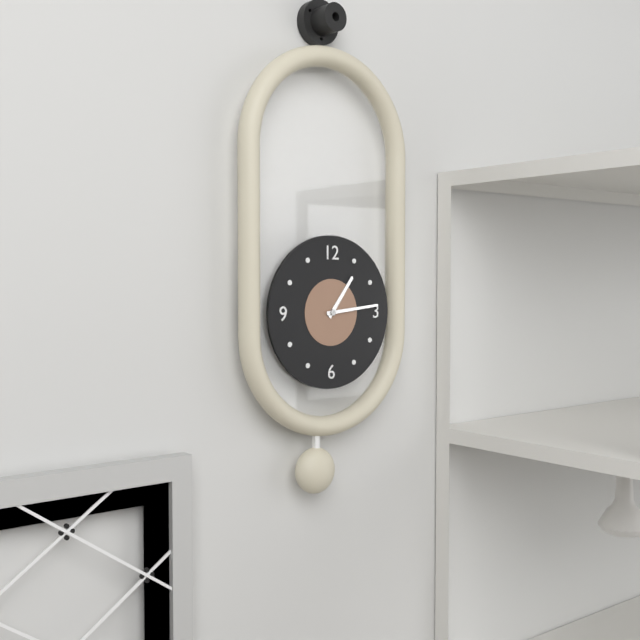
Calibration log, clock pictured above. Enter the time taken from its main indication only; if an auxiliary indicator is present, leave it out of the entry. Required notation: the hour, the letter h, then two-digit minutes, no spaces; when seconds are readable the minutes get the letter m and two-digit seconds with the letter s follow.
1h14
